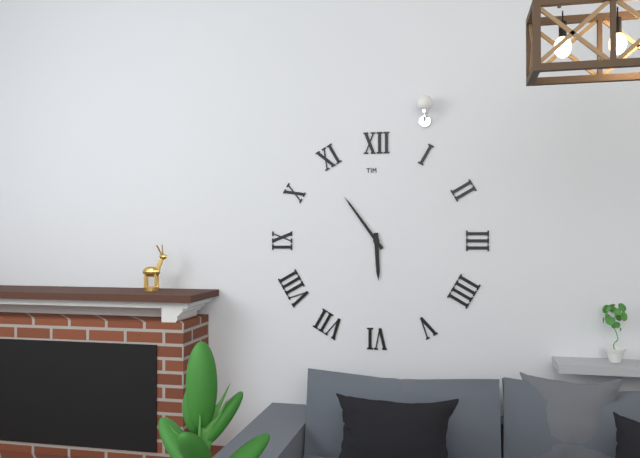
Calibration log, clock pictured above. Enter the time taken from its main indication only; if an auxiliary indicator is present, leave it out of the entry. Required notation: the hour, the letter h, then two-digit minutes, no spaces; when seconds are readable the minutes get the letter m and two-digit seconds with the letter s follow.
5h54
